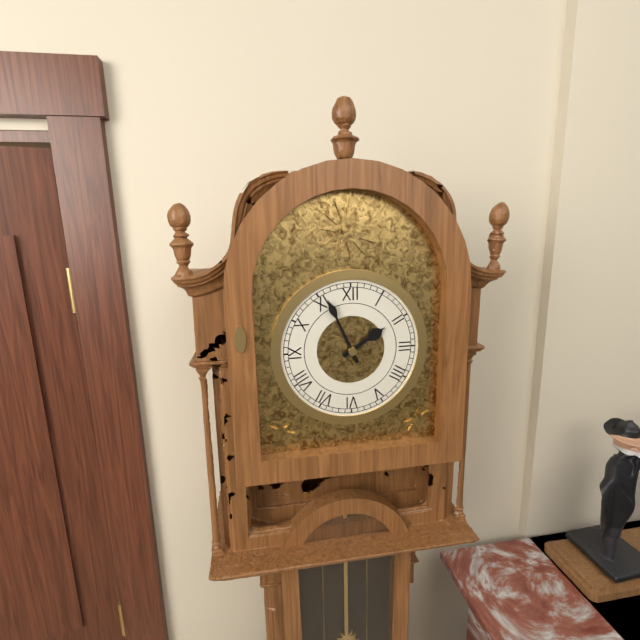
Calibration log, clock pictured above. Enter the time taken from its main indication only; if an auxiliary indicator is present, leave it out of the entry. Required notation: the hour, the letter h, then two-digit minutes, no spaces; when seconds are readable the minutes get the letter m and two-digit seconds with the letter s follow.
1h56
